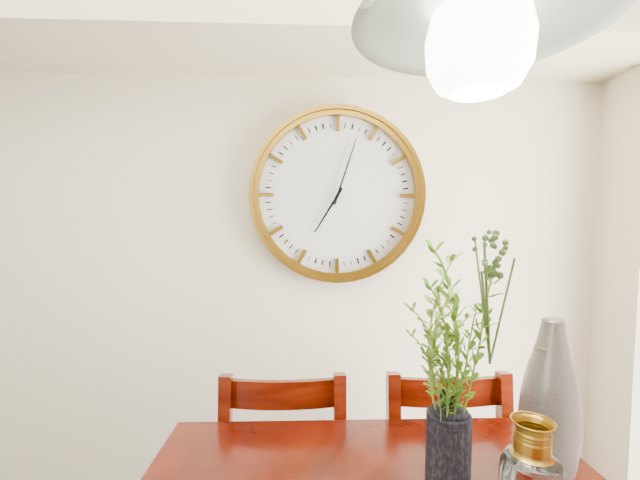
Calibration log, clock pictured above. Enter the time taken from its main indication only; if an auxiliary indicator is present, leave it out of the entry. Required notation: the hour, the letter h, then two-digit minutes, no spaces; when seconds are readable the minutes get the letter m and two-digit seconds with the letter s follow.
7h03
